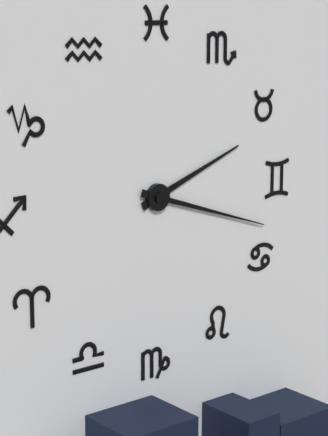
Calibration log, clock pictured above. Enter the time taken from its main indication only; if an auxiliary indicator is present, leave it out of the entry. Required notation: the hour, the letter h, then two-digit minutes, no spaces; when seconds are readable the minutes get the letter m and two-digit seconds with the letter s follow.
2h18
